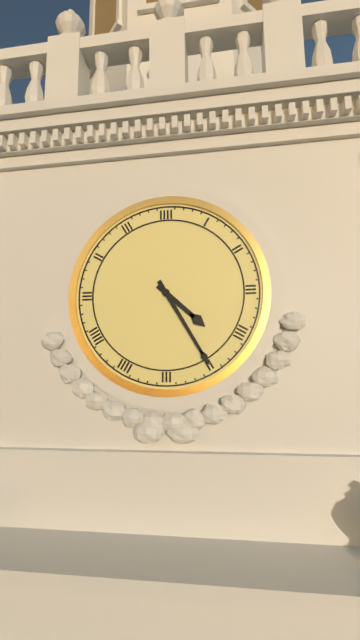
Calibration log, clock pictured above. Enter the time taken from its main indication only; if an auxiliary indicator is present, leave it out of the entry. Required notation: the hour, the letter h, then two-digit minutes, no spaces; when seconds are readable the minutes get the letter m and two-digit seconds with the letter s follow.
4h25
